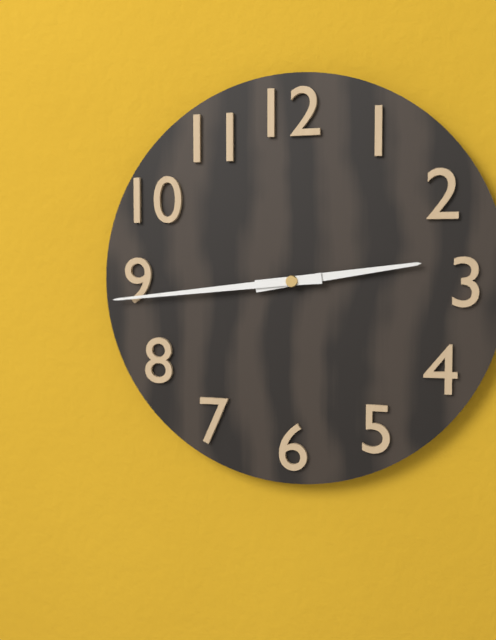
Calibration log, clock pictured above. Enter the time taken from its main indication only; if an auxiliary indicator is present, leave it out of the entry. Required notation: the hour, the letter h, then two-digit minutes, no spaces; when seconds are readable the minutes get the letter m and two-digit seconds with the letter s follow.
2h44
